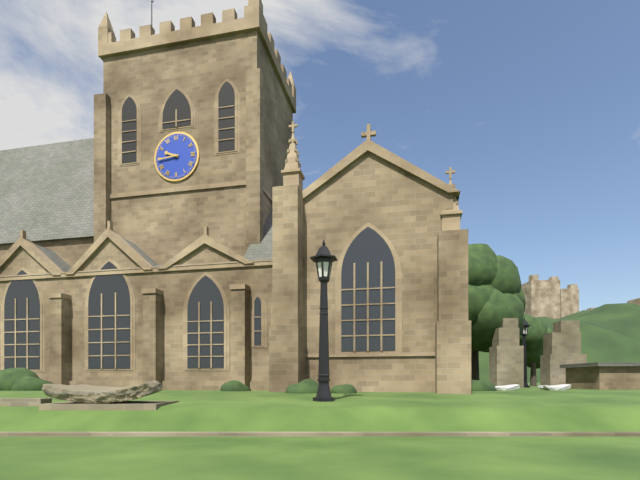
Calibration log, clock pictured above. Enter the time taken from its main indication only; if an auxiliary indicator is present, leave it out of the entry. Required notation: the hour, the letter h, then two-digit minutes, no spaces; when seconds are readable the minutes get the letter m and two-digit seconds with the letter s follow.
9h44
